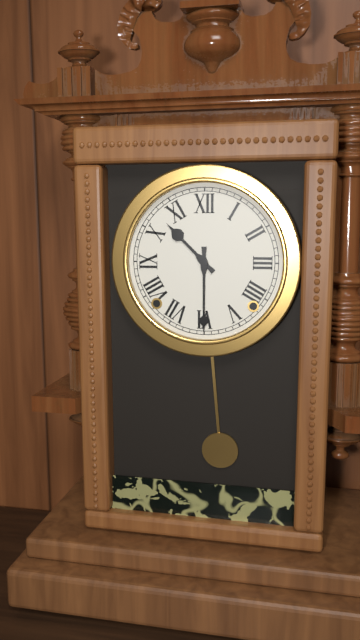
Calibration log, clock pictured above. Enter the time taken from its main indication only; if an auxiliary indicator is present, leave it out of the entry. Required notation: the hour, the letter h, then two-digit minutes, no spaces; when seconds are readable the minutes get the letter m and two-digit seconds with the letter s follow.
10h30
